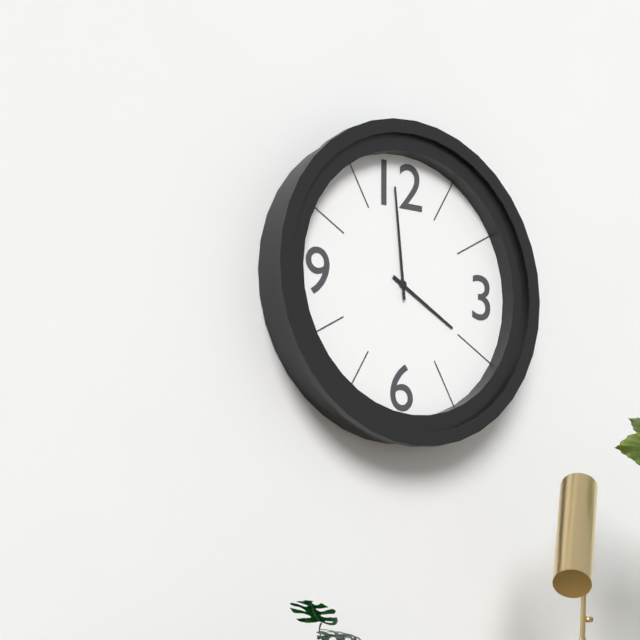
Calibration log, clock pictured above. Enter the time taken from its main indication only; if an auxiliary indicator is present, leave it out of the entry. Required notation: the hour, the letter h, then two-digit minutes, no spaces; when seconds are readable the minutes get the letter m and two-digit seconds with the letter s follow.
3h59
